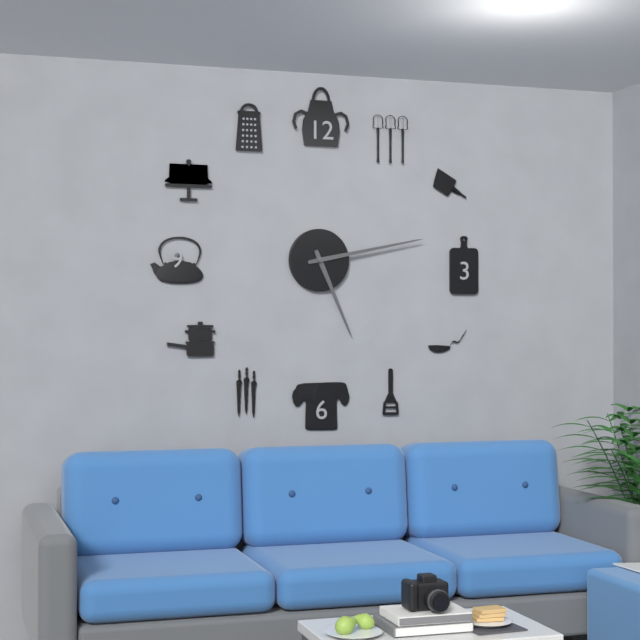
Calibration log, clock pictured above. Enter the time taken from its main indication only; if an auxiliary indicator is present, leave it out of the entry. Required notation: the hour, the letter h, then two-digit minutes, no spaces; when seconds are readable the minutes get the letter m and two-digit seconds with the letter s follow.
5h13
